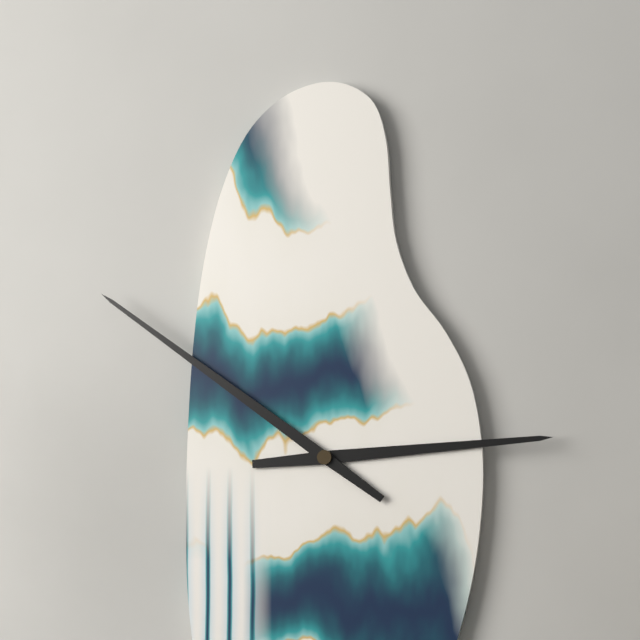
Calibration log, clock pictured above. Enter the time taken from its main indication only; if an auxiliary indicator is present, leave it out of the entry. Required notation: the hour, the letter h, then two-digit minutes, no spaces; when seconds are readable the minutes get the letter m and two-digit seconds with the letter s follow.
2h51
